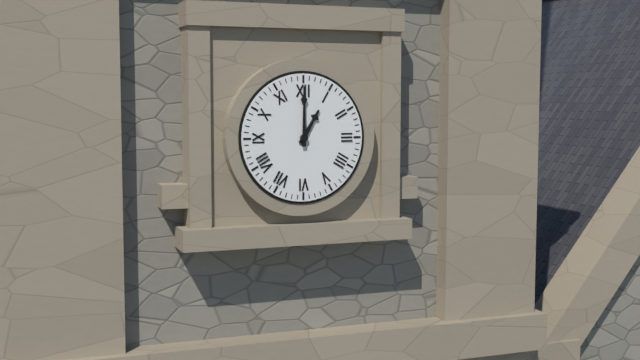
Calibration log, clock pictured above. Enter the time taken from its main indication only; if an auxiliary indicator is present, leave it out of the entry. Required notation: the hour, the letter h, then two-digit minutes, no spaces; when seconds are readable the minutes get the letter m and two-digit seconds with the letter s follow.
1h00
